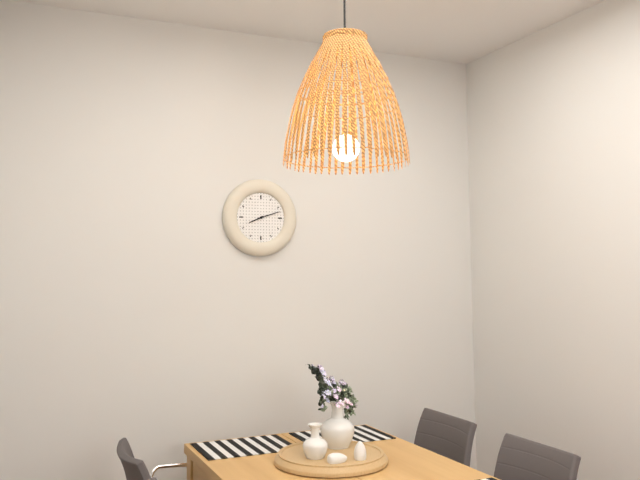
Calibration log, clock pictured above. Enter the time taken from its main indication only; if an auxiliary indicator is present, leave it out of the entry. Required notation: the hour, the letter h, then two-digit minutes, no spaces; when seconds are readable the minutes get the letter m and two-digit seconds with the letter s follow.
8h12
